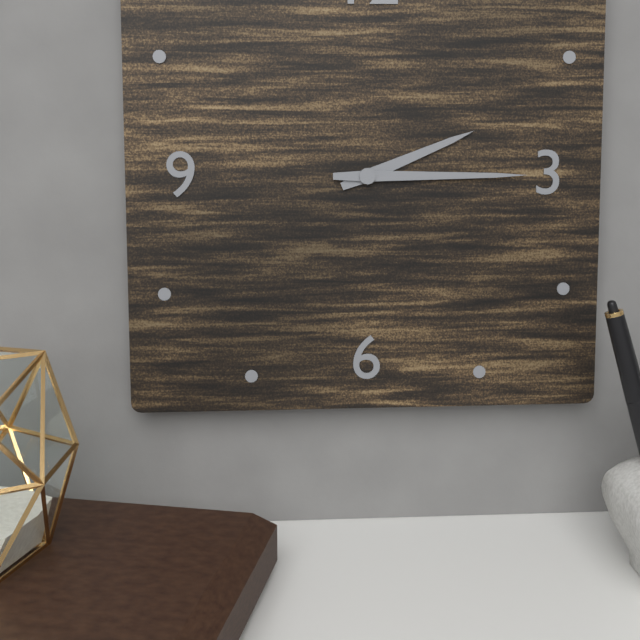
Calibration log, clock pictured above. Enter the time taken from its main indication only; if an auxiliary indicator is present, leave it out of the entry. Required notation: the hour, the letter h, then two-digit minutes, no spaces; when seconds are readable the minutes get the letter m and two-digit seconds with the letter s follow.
2h15
